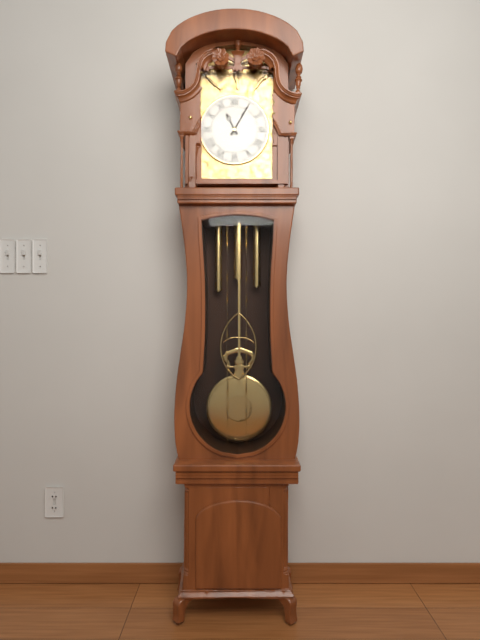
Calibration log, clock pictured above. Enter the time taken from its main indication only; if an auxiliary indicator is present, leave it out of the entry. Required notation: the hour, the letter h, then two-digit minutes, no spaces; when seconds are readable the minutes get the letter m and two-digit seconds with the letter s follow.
11h05
